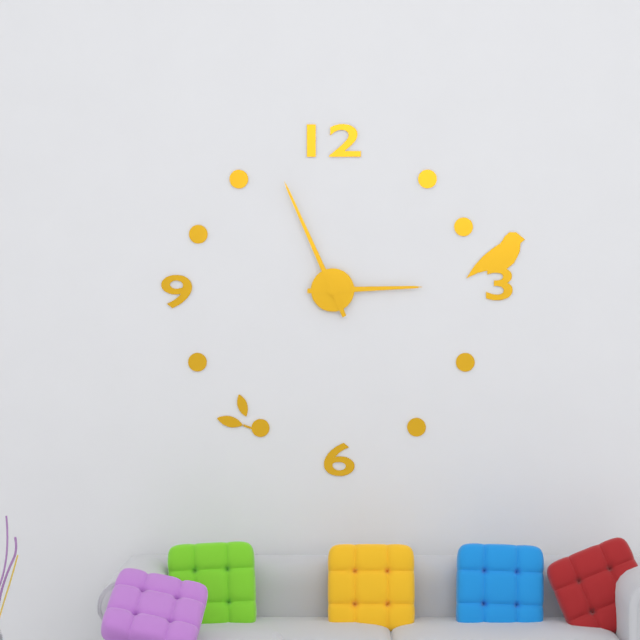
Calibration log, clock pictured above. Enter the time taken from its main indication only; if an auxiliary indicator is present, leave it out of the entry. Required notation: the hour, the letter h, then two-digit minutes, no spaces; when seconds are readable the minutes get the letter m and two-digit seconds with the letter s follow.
2h56
